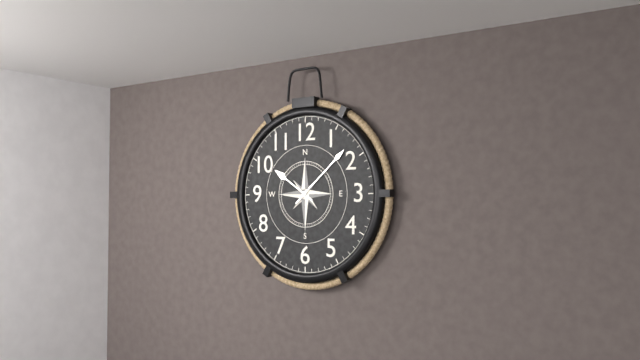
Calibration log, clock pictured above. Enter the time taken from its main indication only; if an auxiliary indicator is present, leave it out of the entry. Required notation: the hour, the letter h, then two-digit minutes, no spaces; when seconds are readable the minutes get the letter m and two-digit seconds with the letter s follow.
10h08
